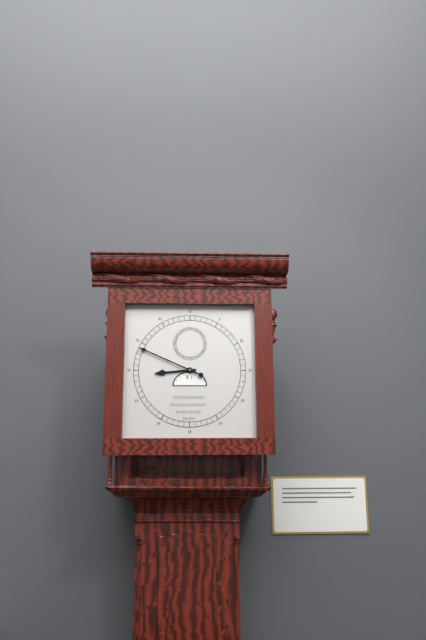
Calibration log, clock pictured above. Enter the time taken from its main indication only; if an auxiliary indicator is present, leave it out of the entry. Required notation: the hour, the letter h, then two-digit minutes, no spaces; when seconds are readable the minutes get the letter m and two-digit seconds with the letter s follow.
8h49
